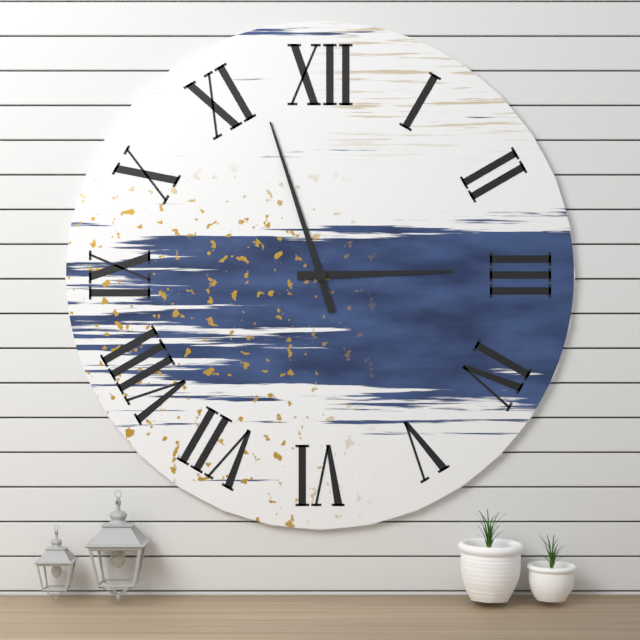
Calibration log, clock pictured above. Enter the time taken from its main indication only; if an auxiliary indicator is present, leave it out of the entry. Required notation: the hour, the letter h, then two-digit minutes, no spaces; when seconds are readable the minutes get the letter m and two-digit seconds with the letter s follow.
2h57
